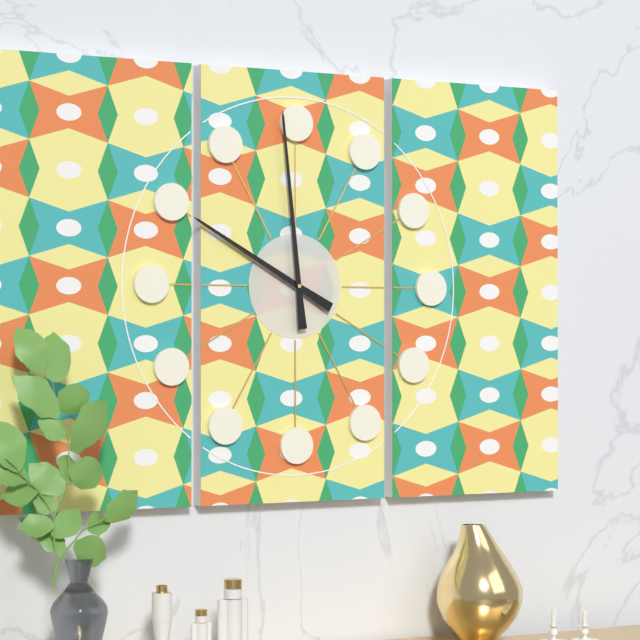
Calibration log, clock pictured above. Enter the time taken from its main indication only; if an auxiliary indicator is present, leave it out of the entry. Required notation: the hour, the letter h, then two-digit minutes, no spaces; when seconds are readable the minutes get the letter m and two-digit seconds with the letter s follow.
9h59
